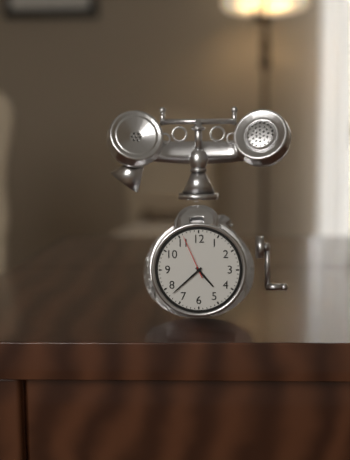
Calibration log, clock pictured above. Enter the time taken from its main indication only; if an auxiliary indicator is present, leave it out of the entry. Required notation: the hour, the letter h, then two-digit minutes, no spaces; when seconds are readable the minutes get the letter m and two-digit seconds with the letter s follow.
4h38
